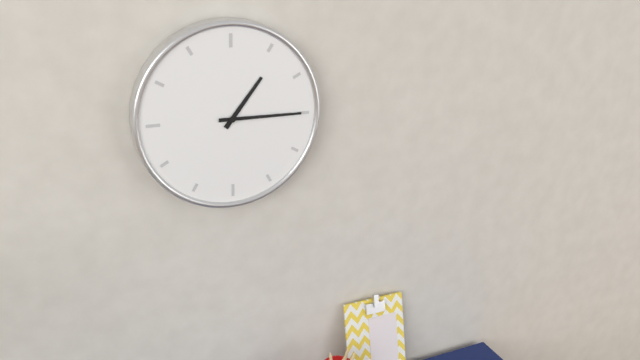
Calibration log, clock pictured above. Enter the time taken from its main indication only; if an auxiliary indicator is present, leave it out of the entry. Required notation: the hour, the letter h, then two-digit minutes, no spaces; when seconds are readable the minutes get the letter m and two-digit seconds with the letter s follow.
1h15
